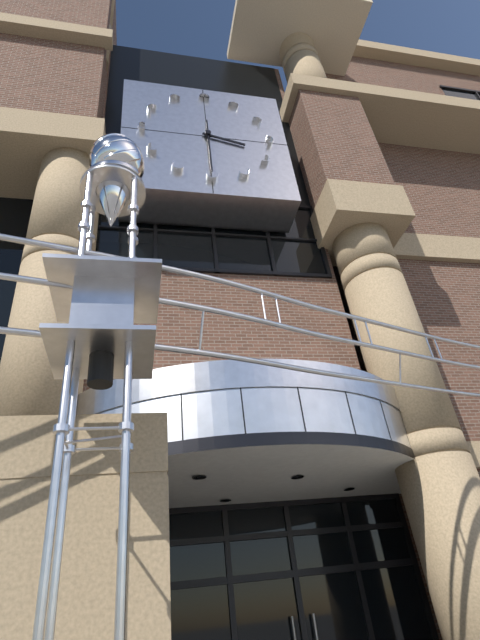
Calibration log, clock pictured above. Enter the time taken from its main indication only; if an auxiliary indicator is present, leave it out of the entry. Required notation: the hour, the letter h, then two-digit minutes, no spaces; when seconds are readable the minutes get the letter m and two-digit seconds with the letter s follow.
3h30
